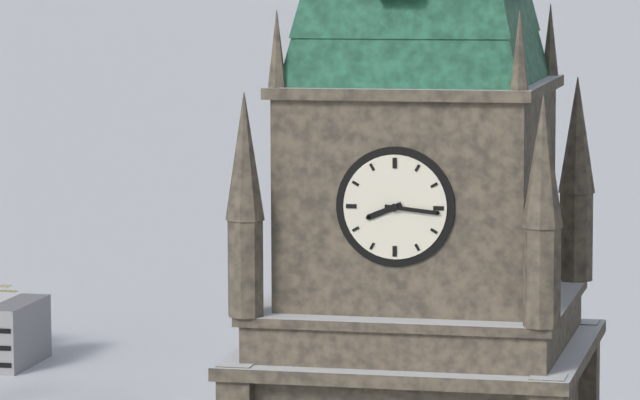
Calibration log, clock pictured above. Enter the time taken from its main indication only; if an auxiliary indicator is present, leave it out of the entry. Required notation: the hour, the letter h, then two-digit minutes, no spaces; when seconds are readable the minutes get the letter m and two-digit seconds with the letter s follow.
8h16
